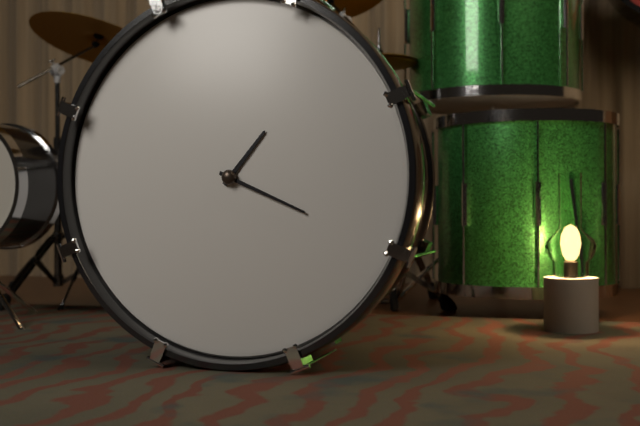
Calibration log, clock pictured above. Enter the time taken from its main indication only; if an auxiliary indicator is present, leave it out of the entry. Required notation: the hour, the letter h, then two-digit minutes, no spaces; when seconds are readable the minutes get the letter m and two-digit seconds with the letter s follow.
1h19
